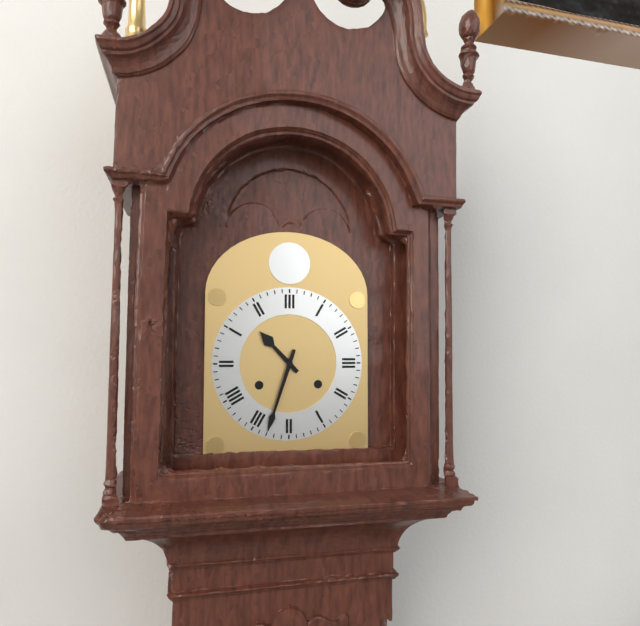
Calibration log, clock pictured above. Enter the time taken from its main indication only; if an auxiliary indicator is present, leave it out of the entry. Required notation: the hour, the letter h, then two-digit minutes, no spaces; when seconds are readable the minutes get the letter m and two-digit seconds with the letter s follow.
10h33
